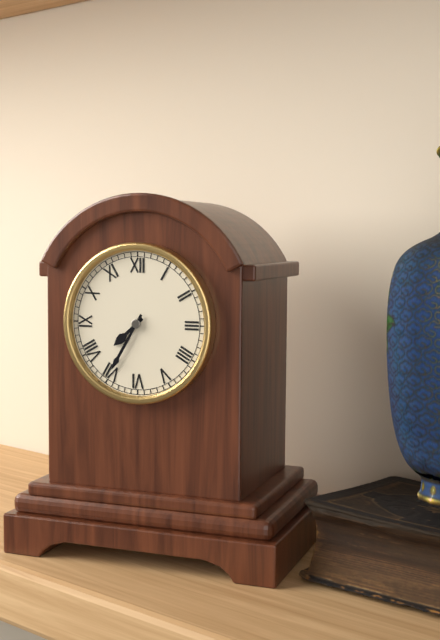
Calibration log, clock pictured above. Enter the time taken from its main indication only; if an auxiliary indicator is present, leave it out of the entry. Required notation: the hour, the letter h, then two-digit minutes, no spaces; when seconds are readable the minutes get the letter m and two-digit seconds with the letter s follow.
7h35
